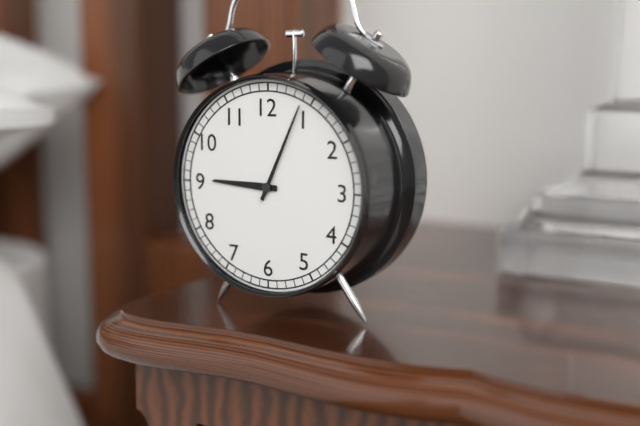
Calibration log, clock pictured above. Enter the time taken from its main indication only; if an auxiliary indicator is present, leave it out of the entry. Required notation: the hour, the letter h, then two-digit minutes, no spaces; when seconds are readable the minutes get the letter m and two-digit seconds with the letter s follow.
9h04
